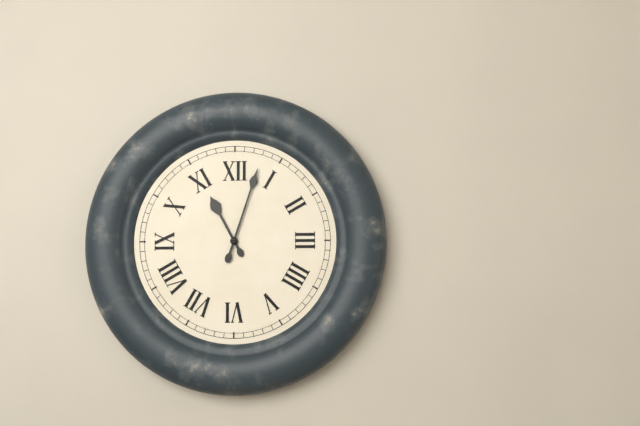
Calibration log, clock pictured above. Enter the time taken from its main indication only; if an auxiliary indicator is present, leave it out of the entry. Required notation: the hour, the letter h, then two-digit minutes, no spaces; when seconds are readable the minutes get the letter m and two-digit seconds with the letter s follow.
11h03
